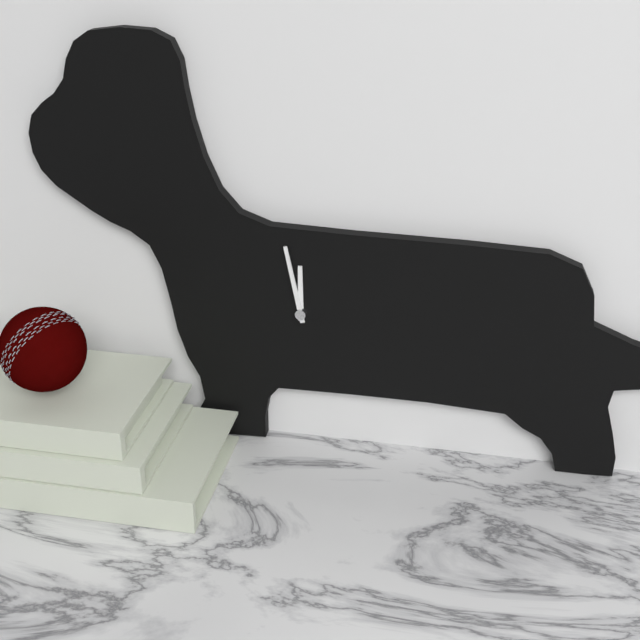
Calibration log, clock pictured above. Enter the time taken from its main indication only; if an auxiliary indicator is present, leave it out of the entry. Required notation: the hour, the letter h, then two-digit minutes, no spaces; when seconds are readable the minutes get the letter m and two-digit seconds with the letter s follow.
11h58
